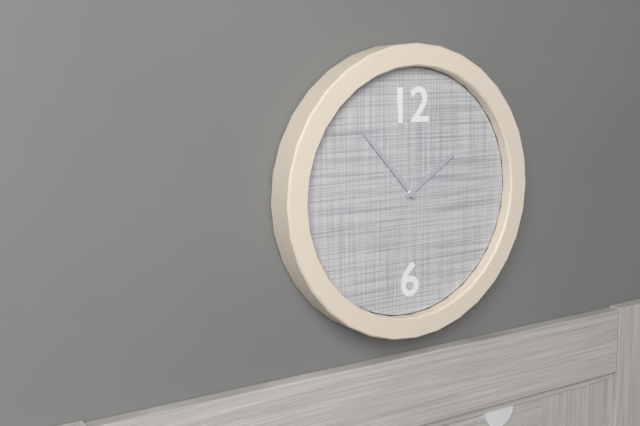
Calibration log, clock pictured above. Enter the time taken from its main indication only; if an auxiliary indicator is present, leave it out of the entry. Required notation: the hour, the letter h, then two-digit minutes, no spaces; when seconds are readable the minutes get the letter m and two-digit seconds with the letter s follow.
1h53
